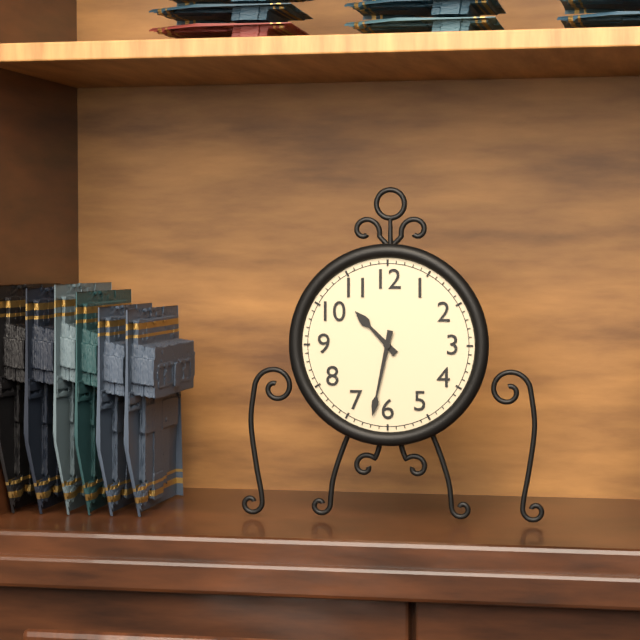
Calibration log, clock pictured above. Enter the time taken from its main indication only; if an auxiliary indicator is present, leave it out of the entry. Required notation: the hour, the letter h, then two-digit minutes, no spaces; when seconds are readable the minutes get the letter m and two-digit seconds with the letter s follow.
10h32
